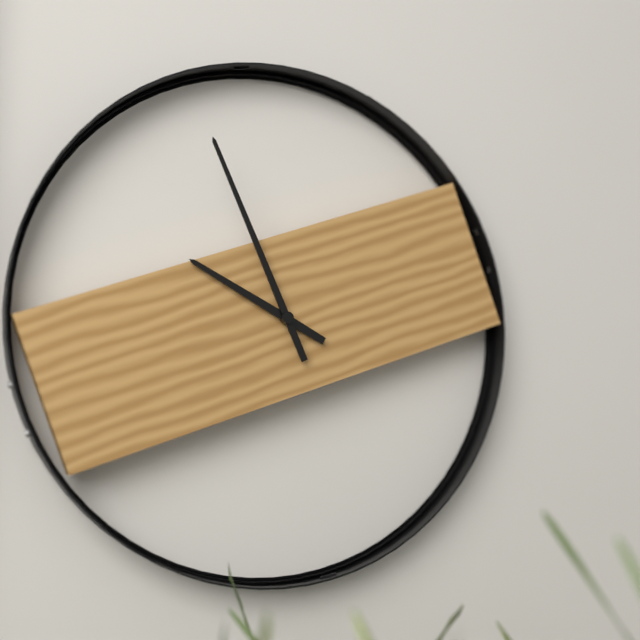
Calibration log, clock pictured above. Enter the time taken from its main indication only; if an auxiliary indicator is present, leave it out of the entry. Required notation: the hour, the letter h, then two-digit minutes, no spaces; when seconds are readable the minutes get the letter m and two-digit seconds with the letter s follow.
9h56
